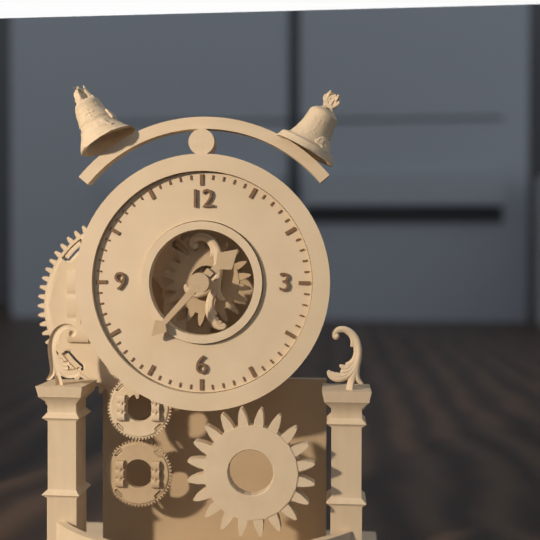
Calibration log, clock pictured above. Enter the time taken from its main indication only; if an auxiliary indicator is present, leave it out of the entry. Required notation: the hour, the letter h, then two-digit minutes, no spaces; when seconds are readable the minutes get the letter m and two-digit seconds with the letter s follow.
1h37
